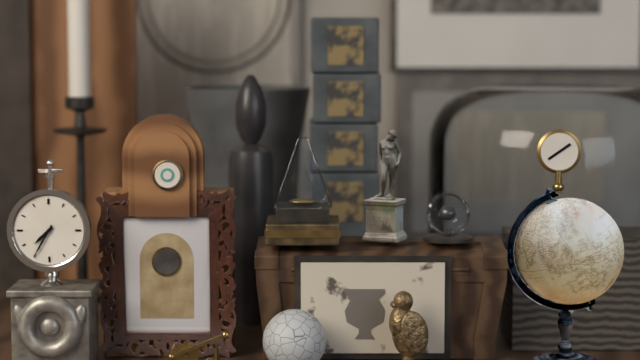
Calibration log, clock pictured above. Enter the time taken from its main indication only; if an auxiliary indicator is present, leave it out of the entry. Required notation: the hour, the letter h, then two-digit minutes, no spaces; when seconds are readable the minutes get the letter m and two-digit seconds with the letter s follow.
7h35
